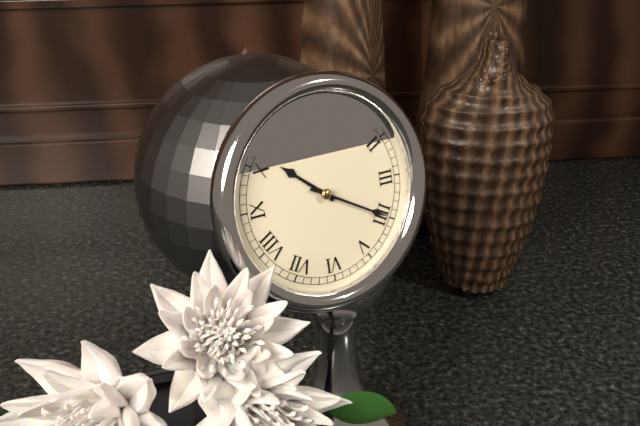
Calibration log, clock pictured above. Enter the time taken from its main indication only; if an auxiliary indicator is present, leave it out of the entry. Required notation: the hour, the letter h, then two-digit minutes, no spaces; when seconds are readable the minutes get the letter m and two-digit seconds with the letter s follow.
10h20
